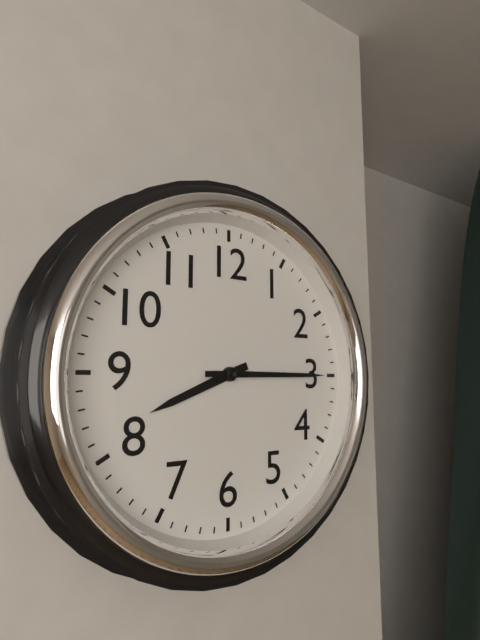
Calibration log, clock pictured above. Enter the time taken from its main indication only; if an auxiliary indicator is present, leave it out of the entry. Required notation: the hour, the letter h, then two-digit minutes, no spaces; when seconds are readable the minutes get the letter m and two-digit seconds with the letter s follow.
8h15
